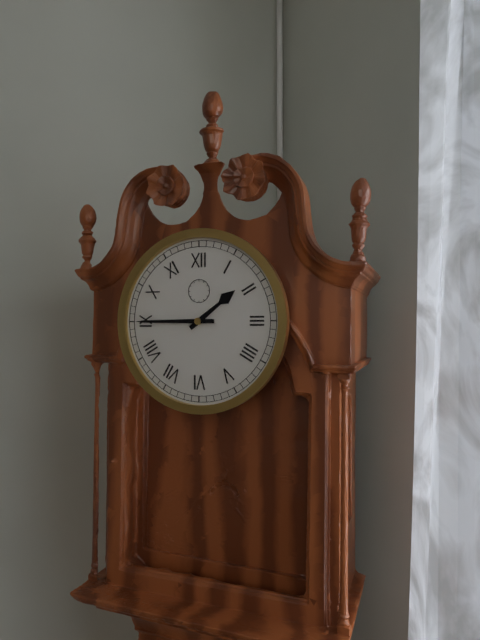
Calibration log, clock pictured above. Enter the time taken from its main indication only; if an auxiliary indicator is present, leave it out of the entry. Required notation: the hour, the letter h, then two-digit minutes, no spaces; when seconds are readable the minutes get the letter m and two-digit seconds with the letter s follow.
1h45
